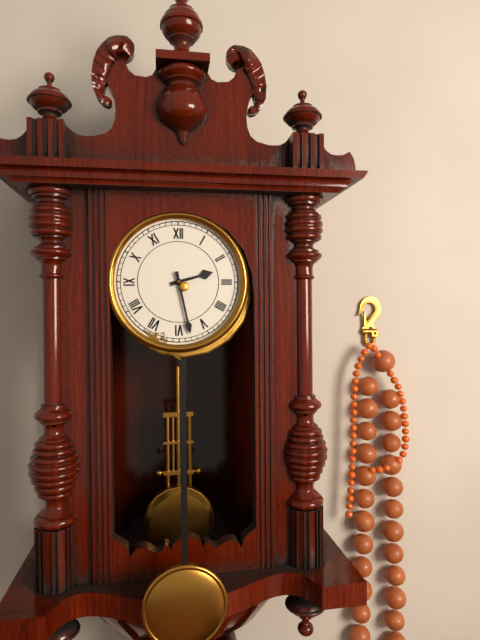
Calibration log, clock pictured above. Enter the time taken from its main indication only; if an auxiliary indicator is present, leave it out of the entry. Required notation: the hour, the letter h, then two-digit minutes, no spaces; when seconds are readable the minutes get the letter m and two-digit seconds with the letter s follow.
2h28
